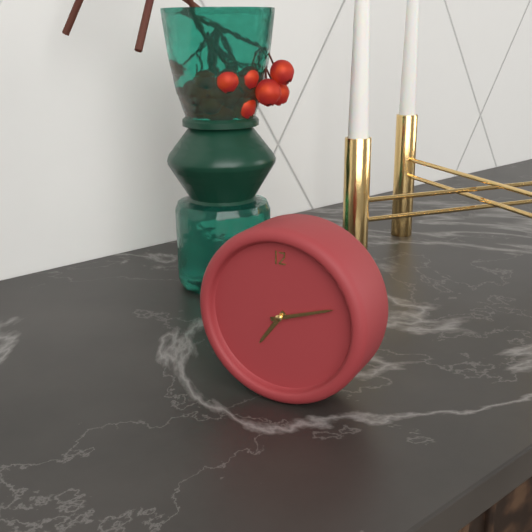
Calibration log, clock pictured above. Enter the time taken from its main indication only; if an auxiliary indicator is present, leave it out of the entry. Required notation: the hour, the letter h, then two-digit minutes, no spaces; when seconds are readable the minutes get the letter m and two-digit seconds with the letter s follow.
7h12
